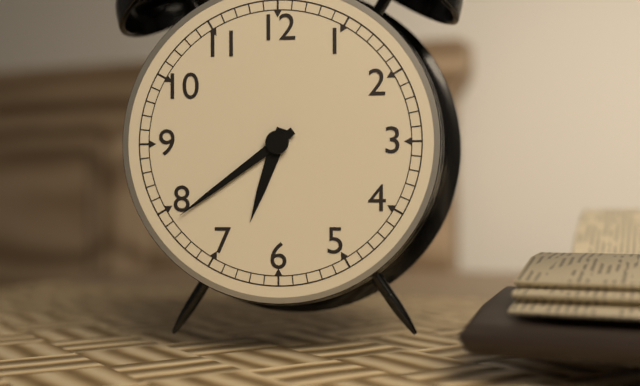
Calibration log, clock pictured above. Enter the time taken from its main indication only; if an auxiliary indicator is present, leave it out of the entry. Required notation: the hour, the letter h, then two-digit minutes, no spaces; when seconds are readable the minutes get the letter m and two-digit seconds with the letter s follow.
6h39
